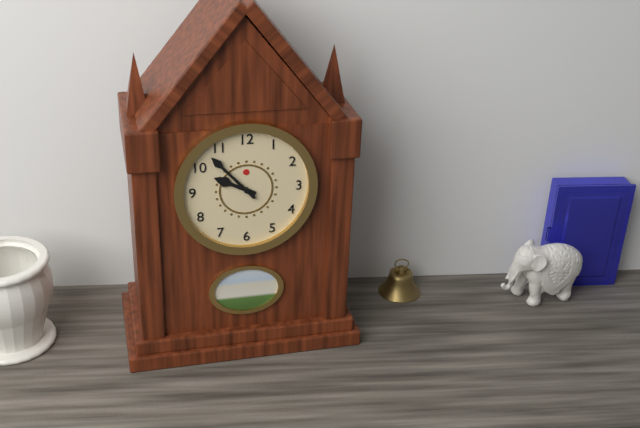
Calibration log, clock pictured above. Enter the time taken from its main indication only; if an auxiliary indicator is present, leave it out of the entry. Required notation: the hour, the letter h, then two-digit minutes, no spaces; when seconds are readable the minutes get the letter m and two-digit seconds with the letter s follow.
9h53
